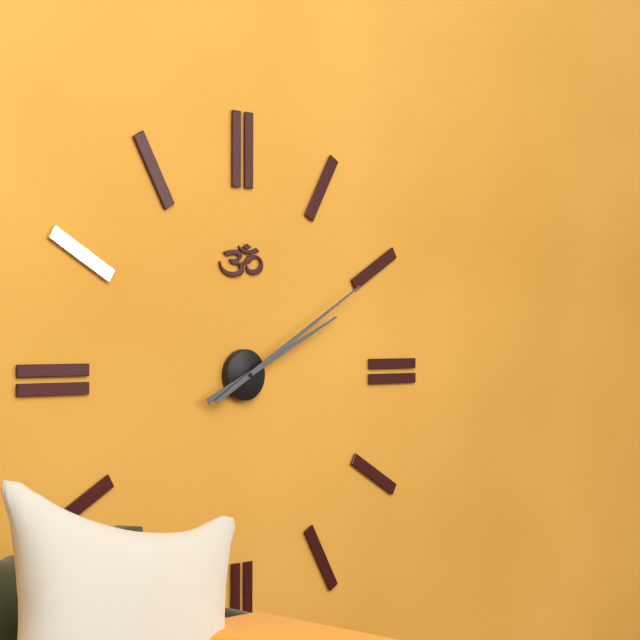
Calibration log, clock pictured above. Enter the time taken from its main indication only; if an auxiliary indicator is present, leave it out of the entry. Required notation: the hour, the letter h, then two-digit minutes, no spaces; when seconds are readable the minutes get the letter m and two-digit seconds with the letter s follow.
2h10
